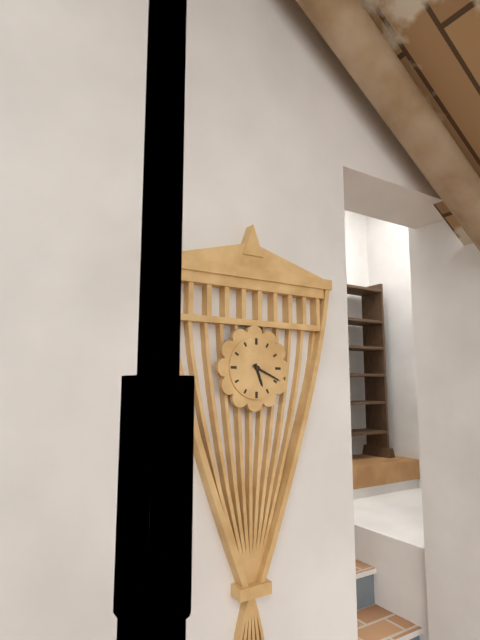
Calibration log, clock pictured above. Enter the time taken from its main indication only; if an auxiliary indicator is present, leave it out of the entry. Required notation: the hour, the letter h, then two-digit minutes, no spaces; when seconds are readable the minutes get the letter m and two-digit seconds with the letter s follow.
5h19
